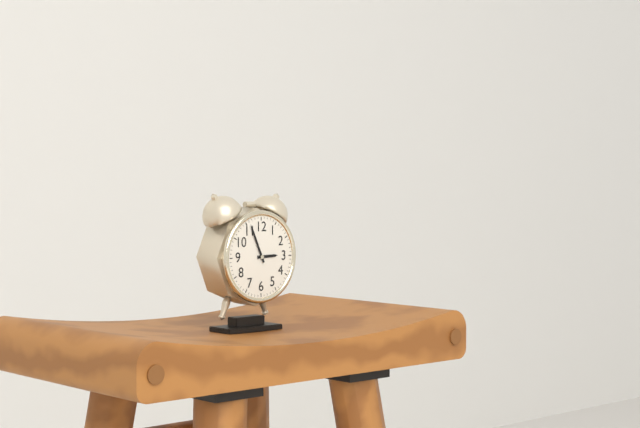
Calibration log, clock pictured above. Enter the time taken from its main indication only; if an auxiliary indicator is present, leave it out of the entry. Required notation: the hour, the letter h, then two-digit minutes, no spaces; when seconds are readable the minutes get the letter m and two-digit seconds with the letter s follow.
2h56
